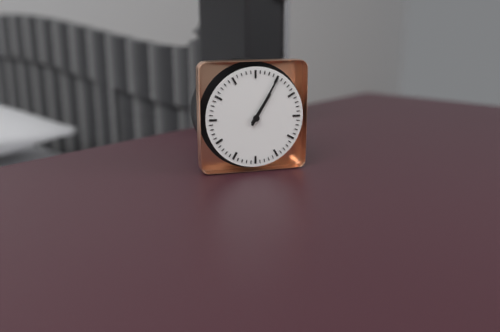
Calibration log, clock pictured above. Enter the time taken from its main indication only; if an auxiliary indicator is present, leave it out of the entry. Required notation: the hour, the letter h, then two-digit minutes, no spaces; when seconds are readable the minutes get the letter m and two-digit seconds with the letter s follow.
1h05
